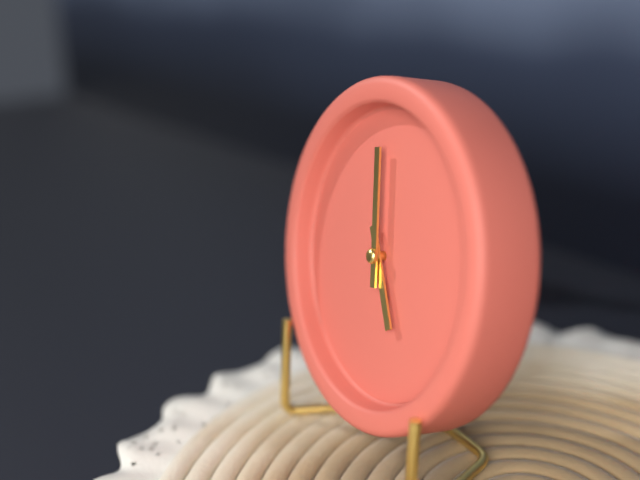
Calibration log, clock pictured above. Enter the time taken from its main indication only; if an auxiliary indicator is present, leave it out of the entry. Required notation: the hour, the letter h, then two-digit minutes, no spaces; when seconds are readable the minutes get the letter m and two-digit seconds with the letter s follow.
4h58
